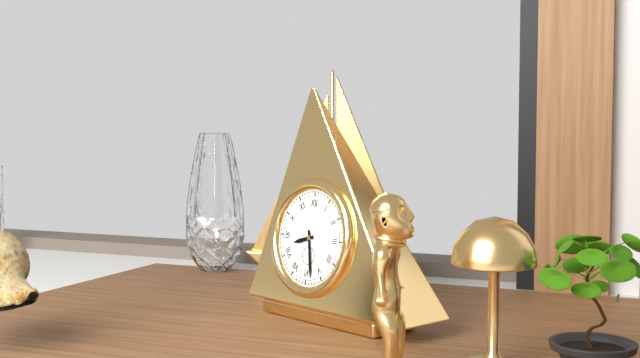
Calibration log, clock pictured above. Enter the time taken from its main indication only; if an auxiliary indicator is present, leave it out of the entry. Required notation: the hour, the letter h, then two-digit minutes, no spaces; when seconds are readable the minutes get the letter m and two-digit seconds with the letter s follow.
8h28
